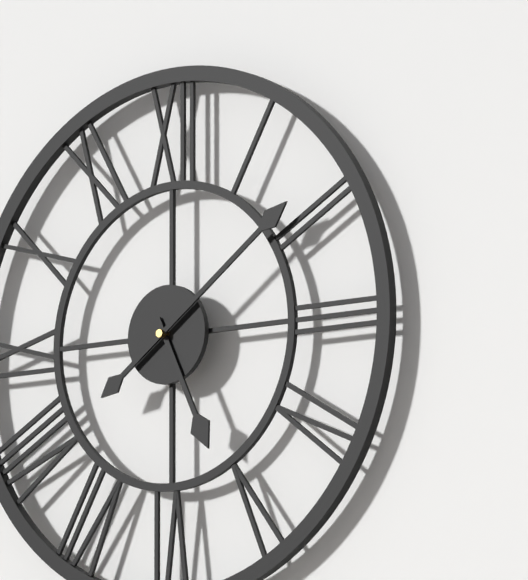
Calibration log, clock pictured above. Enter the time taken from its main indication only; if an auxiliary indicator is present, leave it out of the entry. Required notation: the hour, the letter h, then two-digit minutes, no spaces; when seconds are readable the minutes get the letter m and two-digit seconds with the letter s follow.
5h09
